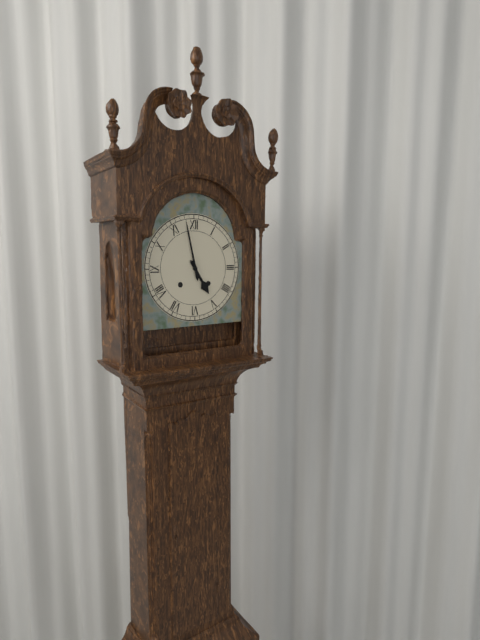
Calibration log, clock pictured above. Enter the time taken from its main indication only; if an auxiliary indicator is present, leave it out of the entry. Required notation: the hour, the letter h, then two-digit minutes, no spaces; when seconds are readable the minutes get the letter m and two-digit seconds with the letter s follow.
4h58
